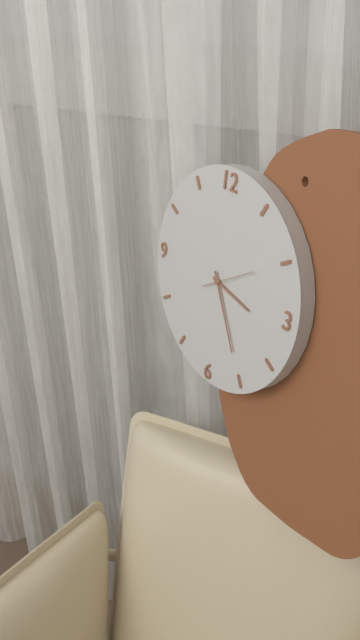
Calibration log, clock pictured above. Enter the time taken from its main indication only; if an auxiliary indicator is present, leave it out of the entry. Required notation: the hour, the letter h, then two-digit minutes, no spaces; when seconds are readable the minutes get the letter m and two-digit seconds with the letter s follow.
3h25
